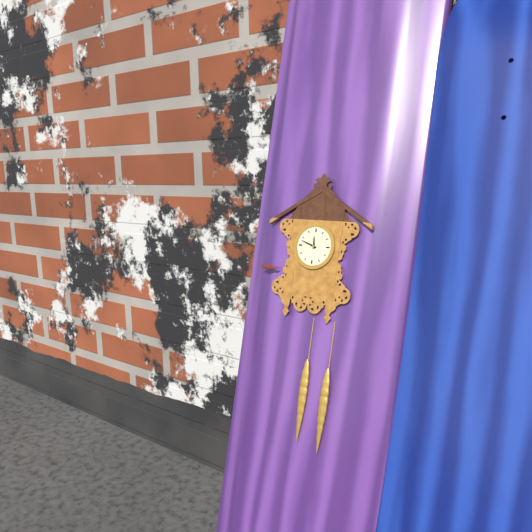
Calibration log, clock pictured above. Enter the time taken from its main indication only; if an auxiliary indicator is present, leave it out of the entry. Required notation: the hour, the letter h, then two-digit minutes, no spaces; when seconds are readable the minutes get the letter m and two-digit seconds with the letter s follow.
11h48
